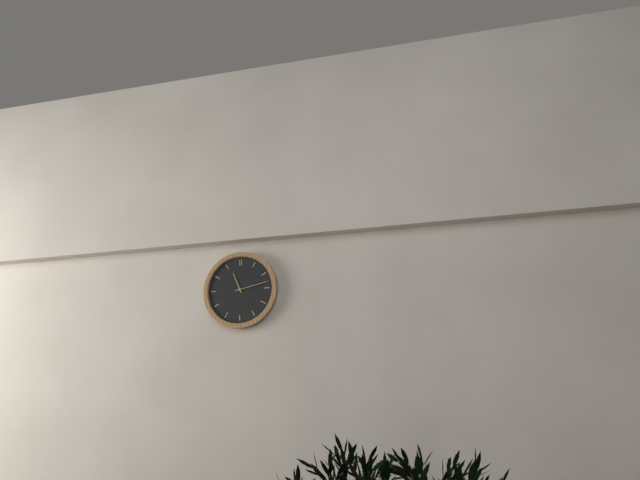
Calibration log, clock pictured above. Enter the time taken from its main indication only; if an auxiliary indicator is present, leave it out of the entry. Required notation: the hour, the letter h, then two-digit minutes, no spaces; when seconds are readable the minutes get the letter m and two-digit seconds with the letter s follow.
11h13
